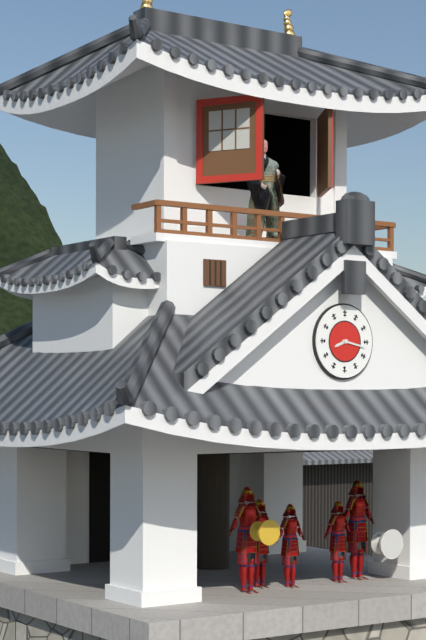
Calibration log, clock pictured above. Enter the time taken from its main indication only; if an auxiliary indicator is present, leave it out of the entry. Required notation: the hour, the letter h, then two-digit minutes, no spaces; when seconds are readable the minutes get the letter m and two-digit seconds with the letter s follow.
8h17
